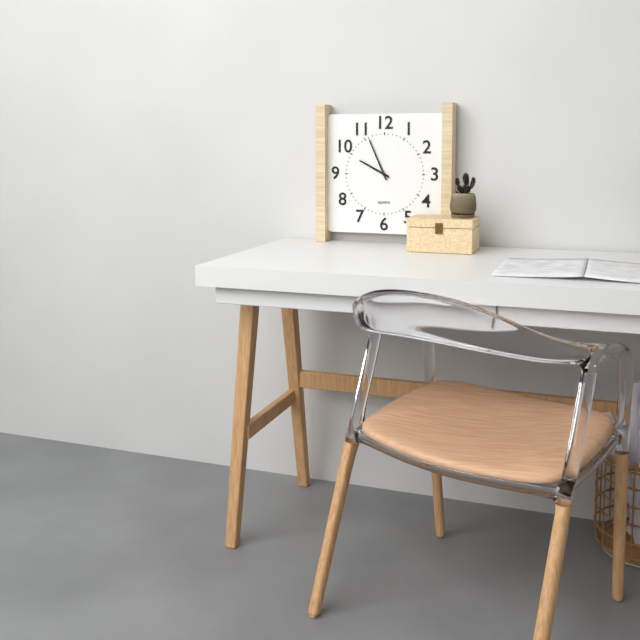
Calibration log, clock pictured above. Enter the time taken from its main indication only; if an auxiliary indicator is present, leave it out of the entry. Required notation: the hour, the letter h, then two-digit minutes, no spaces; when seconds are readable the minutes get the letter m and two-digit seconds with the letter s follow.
9h56
